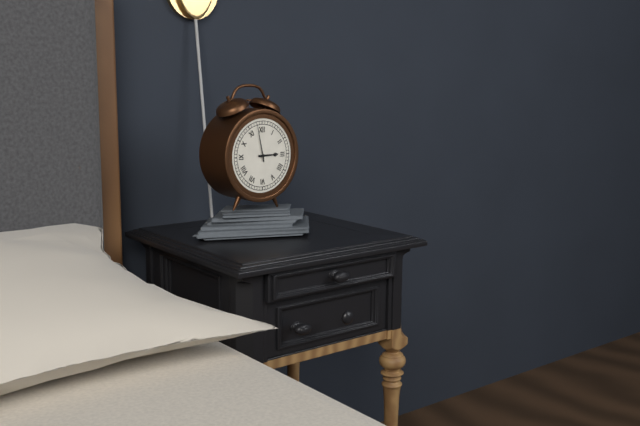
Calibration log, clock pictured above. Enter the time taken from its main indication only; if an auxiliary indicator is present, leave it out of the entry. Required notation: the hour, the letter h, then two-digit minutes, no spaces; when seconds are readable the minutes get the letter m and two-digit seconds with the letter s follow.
2h58
